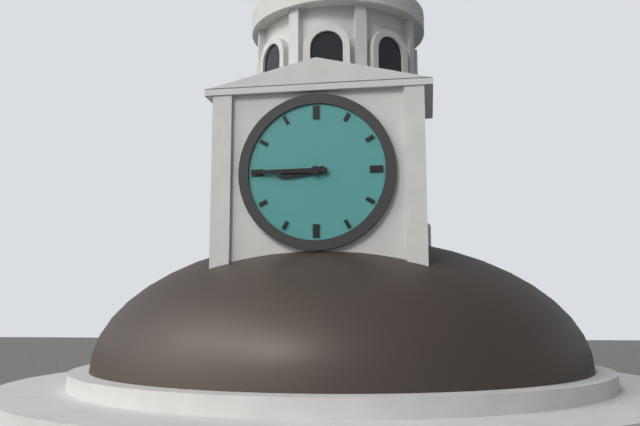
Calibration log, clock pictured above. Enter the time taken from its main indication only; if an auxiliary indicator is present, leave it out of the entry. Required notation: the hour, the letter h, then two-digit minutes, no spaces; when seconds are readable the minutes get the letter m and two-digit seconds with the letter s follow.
8h45
